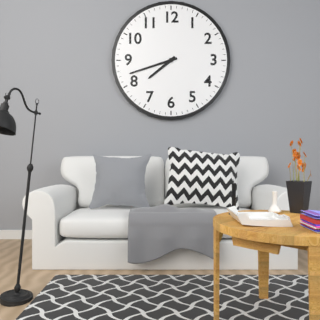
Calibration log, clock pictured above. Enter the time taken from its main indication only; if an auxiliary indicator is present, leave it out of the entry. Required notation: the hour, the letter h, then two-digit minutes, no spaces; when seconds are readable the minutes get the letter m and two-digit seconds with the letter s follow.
7h42
